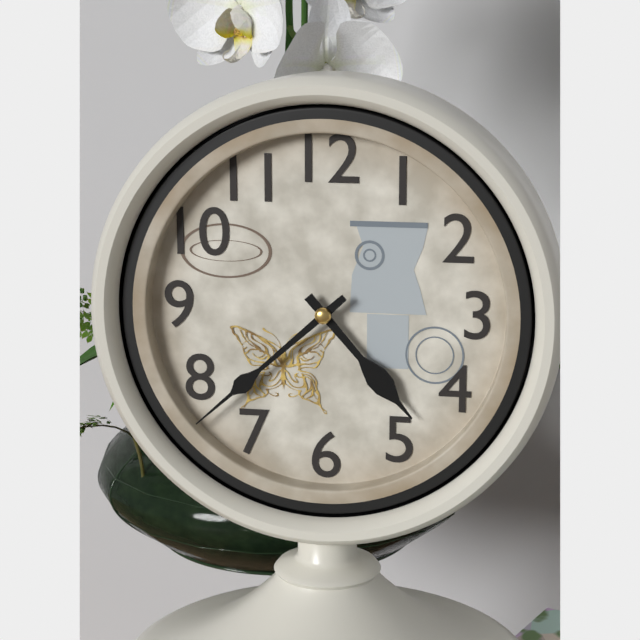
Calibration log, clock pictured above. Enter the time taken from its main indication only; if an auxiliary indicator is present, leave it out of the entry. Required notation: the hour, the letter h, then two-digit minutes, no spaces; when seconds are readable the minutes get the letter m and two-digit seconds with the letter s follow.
4h38
